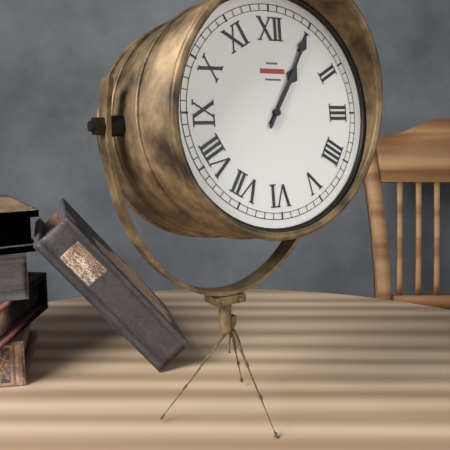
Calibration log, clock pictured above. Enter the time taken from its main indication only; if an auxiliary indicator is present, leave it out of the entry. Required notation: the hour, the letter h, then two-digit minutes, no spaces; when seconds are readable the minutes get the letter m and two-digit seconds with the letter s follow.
1h05
